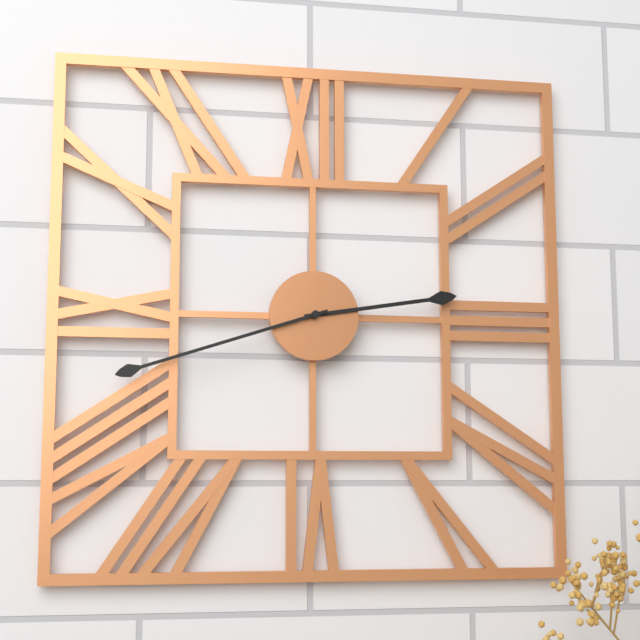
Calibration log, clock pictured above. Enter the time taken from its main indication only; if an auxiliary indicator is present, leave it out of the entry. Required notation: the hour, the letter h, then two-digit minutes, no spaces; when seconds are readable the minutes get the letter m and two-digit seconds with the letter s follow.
2h42
